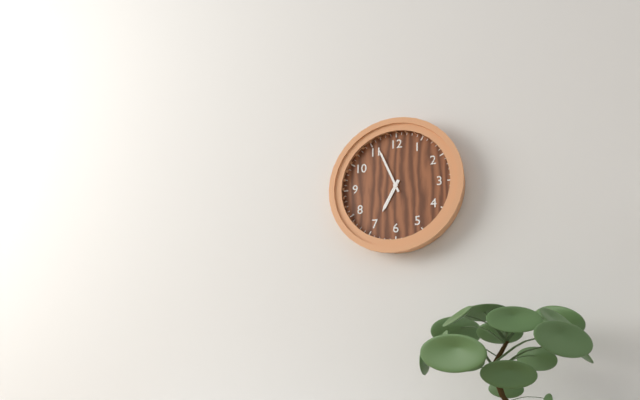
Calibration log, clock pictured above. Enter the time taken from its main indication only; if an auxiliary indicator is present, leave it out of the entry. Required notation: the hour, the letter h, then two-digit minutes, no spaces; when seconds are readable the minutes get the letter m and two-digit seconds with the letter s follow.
6h56
